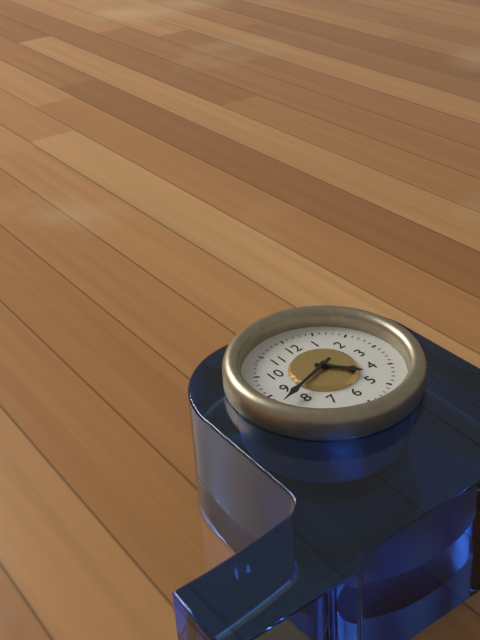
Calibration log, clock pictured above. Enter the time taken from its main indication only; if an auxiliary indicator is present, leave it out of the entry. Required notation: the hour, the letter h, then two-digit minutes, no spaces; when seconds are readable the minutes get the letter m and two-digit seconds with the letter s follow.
4h42
